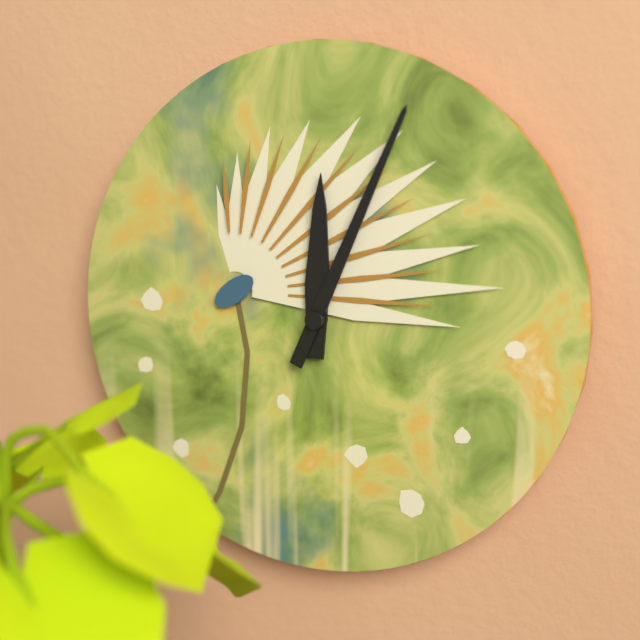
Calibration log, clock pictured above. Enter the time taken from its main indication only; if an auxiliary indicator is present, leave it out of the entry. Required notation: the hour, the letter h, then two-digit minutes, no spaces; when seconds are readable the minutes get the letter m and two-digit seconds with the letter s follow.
12h04
